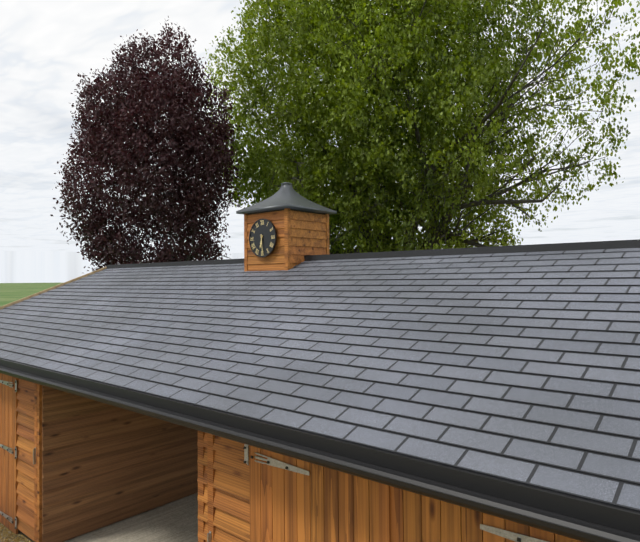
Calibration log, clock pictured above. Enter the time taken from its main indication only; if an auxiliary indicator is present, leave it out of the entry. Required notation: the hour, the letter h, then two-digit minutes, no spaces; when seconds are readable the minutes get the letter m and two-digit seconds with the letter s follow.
6h29
